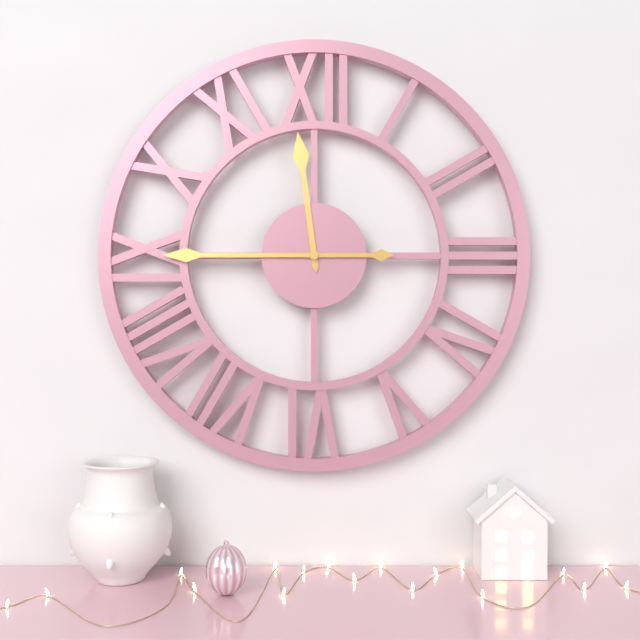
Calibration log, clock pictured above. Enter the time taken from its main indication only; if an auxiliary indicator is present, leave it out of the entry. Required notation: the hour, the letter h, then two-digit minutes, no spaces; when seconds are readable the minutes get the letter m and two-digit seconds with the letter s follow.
11h45
